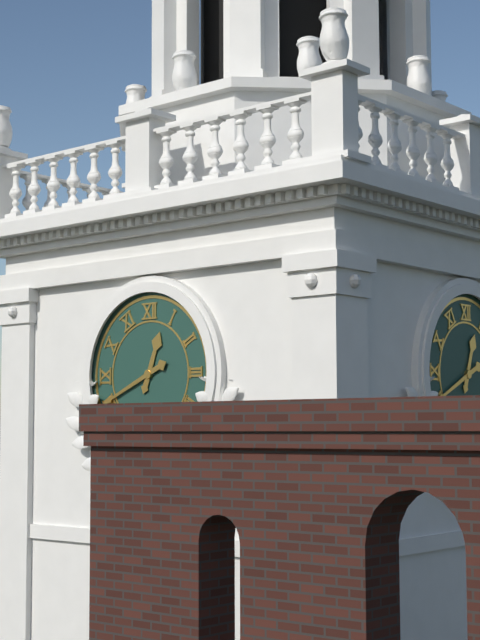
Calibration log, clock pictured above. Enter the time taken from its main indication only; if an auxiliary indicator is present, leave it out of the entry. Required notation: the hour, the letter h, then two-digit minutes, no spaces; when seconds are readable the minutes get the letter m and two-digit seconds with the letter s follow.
12h41
